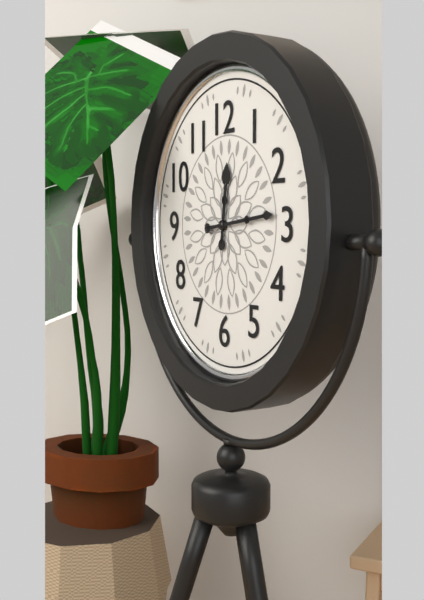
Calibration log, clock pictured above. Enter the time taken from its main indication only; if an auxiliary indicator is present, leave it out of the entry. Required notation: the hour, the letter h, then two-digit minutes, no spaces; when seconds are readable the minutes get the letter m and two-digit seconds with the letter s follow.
12h14
